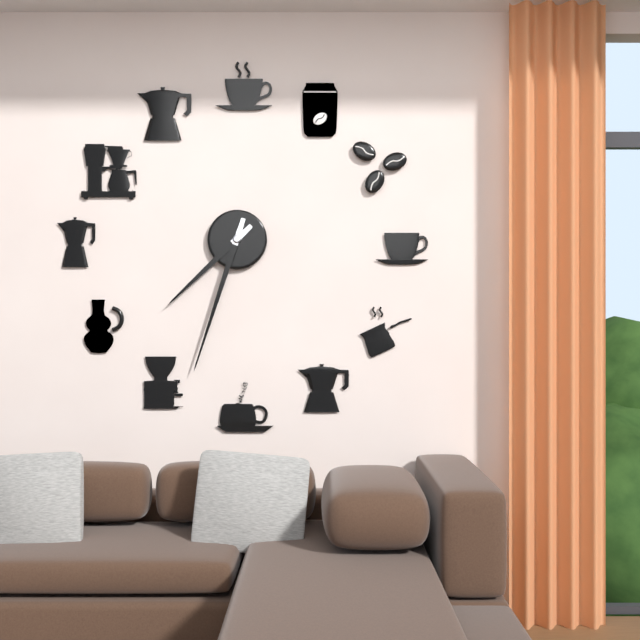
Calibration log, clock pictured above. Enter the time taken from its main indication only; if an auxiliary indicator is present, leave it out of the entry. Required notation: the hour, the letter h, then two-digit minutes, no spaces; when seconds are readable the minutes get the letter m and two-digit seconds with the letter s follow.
7h33
